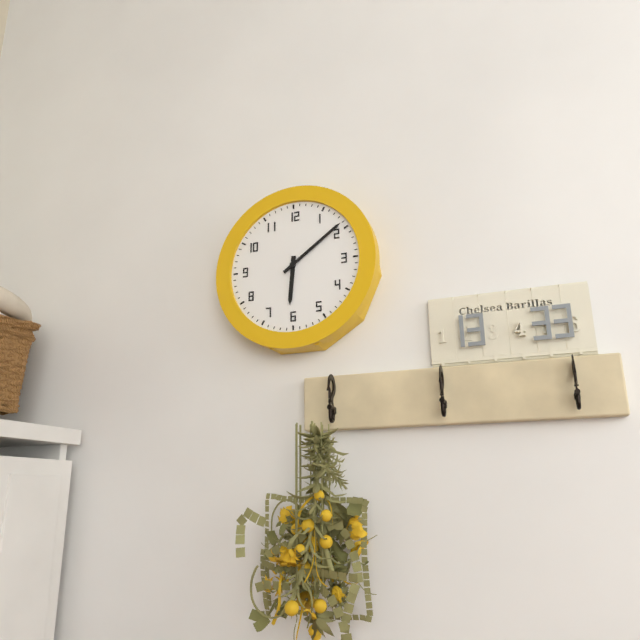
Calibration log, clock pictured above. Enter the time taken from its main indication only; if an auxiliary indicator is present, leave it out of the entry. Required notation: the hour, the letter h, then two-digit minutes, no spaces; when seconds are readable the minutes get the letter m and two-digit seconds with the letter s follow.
6h09
